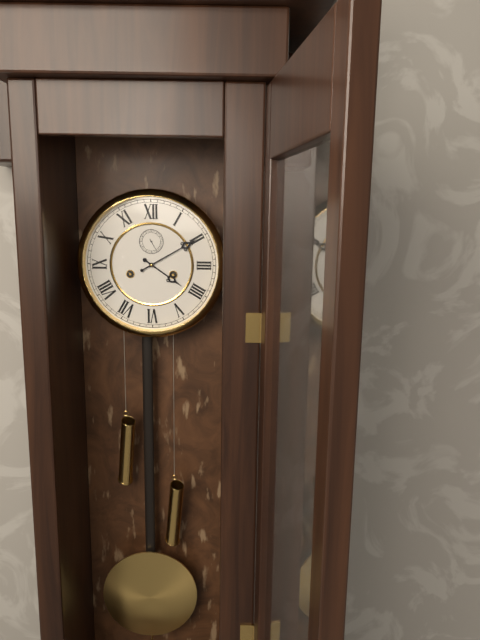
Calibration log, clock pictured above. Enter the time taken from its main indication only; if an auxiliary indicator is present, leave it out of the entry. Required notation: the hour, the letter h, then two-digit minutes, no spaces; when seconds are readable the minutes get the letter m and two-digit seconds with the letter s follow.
4h10
